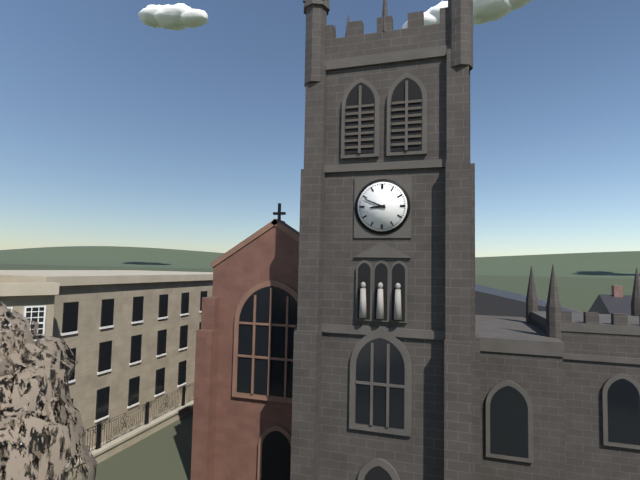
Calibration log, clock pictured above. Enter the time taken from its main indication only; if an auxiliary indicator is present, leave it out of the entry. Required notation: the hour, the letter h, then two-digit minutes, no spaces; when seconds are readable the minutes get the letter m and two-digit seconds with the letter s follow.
8h49
